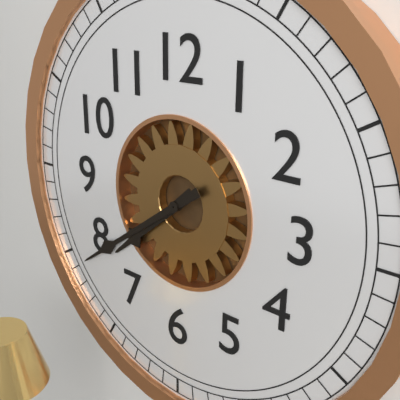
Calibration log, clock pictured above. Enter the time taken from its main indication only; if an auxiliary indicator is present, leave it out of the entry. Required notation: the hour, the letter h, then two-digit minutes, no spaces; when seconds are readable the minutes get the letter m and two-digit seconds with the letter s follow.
7h39
